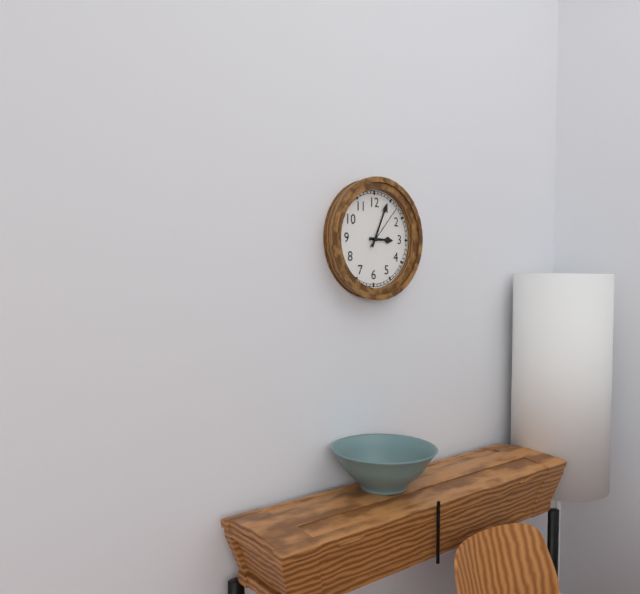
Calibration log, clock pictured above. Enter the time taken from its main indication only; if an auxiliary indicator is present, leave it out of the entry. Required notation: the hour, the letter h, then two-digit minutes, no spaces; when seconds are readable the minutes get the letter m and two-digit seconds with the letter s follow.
3h04
